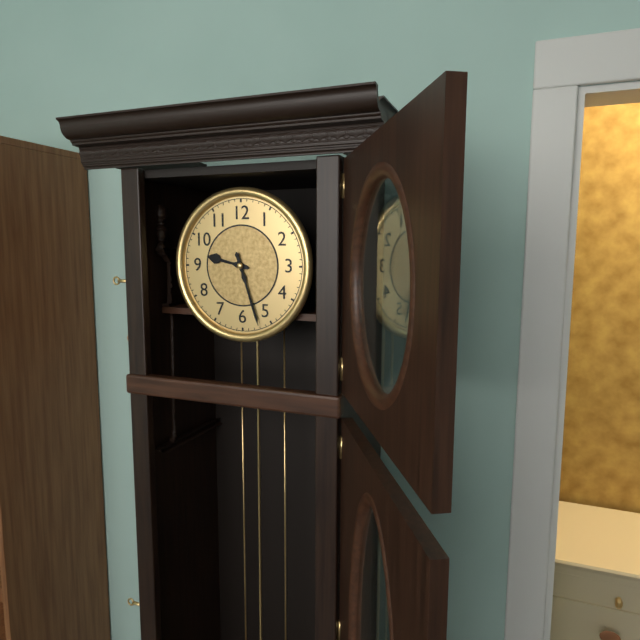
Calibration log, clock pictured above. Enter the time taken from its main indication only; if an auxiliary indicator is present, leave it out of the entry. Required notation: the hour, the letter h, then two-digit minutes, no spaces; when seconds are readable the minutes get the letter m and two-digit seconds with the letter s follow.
9h27
